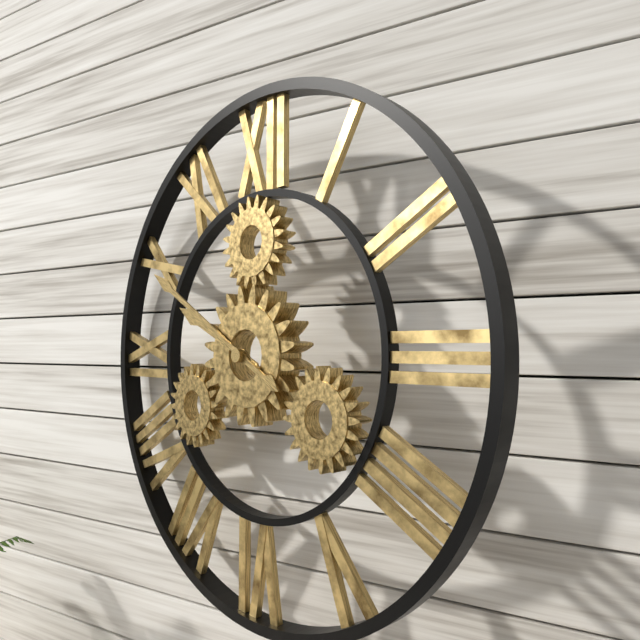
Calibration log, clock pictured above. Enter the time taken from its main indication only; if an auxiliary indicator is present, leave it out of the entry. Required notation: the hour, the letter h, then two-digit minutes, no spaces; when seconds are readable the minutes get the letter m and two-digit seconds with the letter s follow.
9h50
